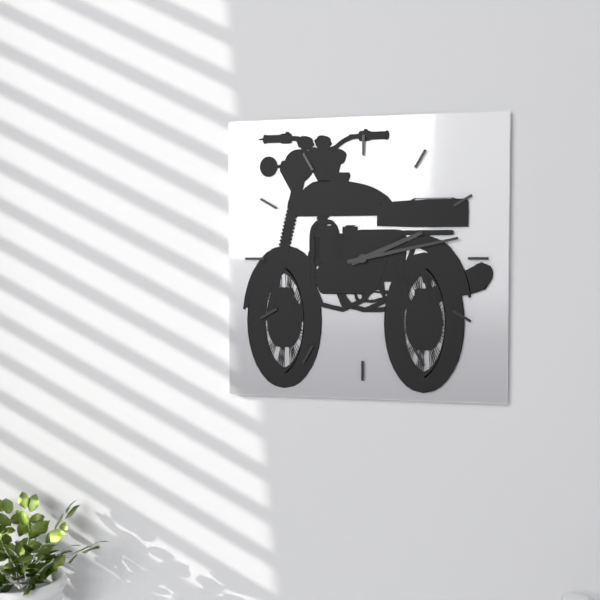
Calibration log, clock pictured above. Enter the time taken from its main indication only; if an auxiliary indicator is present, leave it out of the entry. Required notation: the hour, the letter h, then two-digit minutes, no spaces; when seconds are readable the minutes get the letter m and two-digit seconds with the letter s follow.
2h13
